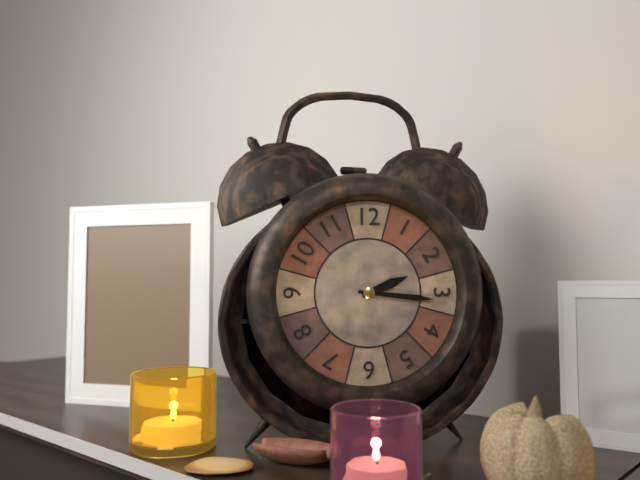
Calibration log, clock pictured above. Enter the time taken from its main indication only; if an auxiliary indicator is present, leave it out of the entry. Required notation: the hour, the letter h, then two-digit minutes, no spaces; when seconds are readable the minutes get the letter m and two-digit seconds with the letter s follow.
2h16
